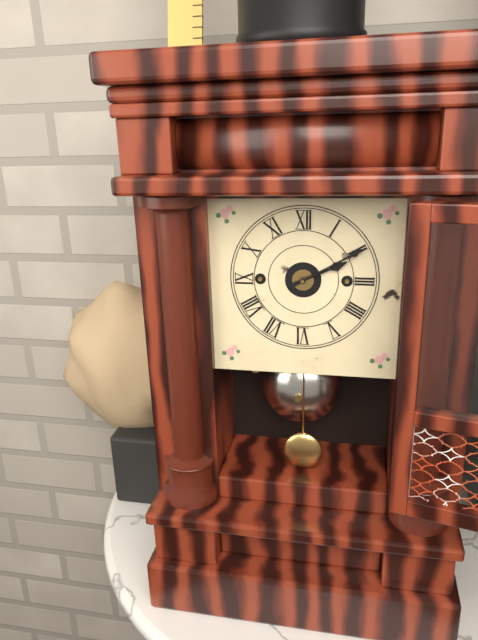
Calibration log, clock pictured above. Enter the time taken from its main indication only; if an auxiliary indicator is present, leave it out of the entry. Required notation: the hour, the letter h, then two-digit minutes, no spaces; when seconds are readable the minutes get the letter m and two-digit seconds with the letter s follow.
2h10
